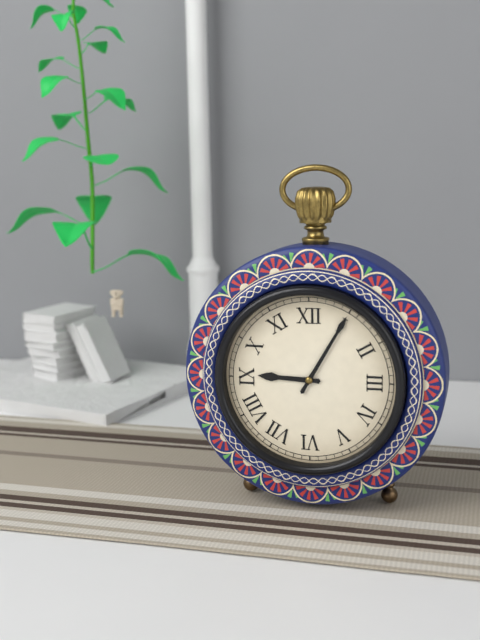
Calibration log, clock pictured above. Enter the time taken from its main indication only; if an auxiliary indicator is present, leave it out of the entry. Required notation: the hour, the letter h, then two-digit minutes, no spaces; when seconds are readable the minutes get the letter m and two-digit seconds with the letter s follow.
9h05
